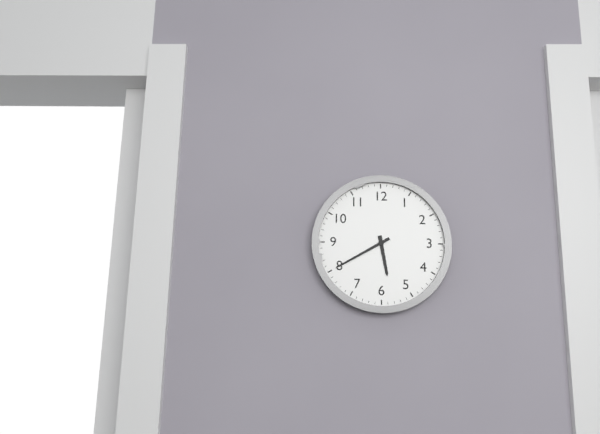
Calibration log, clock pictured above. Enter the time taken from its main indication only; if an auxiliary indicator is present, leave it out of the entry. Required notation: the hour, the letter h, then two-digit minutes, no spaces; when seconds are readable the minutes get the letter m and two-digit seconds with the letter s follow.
5h40
